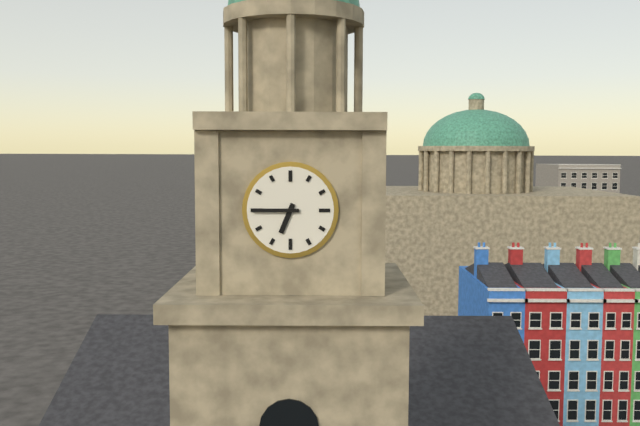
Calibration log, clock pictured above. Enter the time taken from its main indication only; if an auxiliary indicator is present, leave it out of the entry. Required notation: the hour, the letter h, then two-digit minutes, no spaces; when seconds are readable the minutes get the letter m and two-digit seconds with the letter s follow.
6h45
